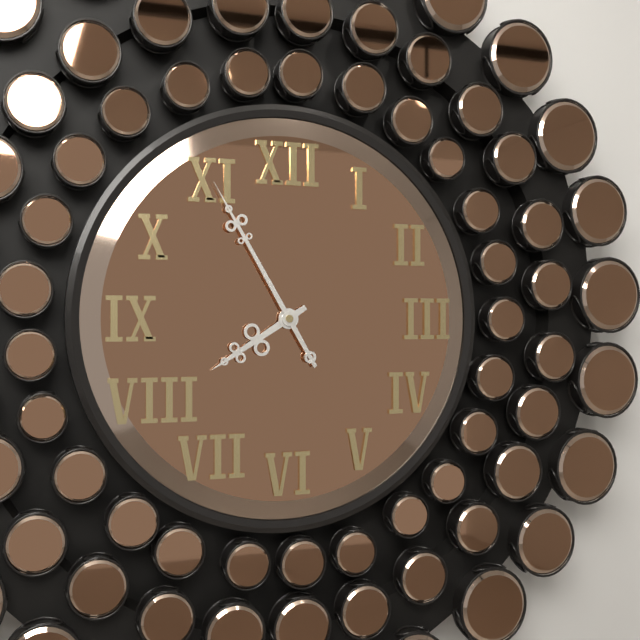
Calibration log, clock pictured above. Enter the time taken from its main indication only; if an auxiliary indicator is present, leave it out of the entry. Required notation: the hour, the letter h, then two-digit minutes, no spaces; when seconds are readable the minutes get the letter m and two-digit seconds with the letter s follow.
7h55
